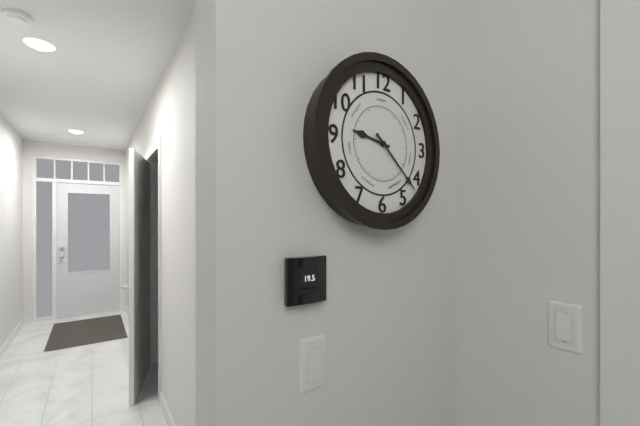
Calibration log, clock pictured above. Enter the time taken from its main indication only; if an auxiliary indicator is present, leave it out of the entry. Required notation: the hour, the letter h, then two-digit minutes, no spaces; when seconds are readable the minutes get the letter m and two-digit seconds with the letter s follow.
9h22
